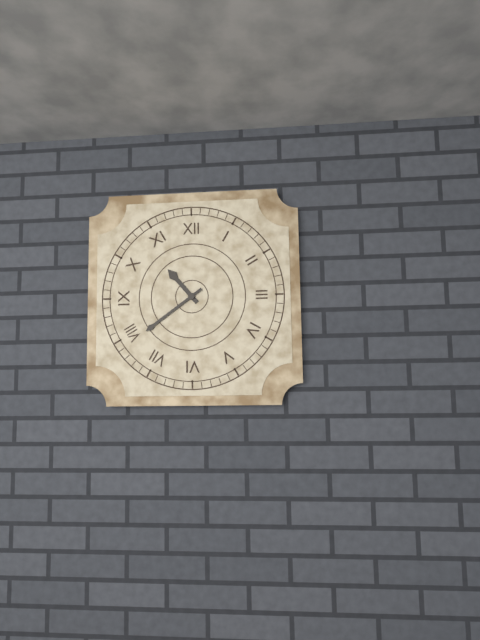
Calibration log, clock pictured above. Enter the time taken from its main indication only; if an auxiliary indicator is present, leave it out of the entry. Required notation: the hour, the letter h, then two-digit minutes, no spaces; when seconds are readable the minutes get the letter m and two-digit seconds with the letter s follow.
10h39
